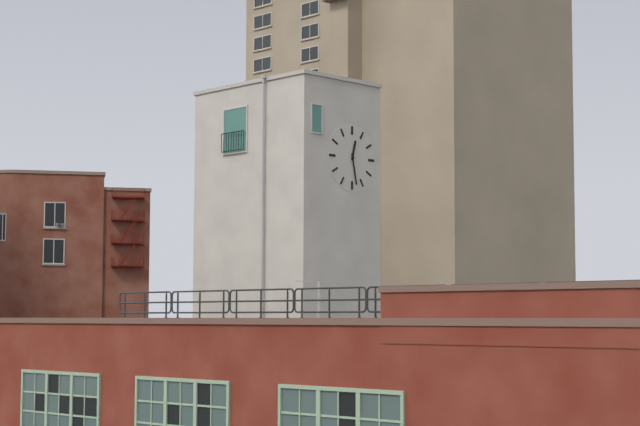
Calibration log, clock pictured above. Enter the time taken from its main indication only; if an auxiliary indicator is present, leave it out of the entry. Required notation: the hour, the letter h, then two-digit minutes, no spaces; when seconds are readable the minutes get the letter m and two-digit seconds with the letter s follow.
12h28
